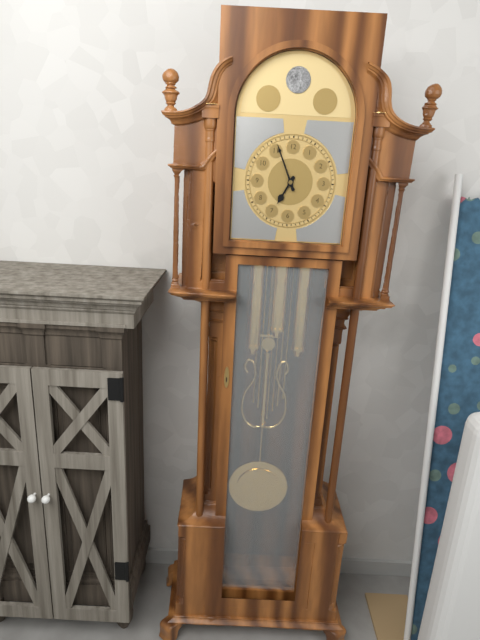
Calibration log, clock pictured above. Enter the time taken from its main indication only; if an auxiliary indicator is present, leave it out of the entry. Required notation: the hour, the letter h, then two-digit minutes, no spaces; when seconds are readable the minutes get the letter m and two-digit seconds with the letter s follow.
6h56
